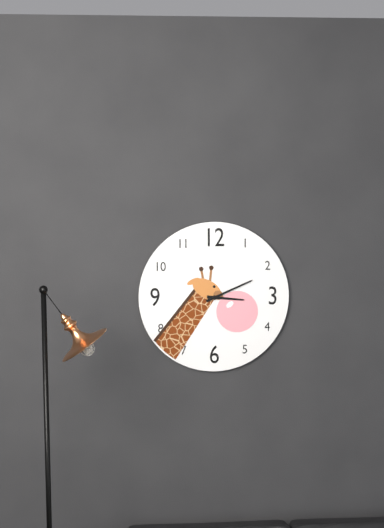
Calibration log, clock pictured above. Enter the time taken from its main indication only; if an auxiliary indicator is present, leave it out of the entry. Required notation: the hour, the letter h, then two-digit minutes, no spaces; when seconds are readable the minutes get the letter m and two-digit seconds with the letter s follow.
3h11
